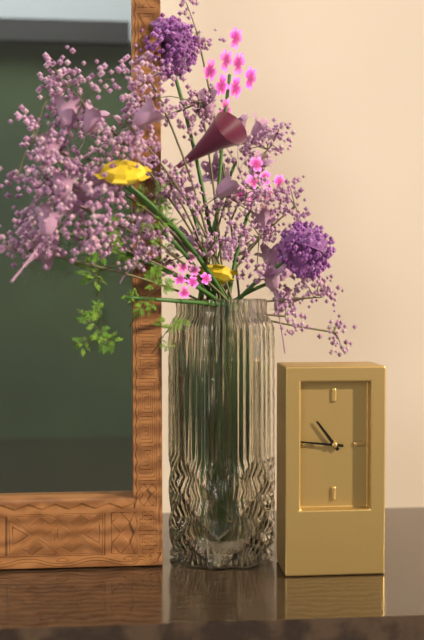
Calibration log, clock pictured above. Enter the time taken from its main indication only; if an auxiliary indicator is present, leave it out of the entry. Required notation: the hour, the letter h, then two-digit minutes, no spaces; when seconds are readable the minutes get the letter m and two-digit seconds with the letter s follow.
10h46
